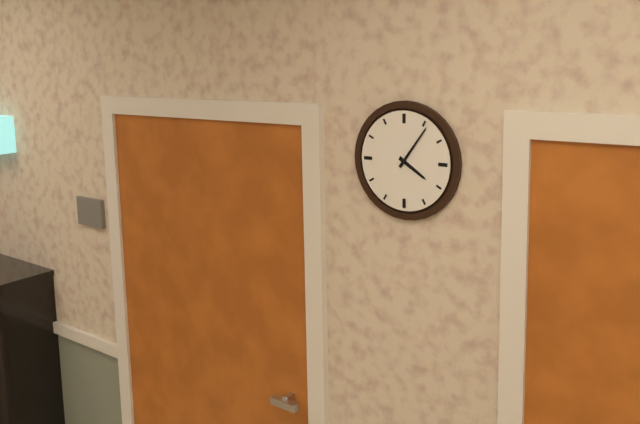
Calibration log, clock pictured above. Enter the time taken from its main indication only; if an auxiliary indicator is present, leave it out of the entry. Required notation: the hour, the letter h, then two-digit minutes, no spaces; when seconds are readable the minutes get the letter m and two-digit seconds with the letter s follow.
4h06
